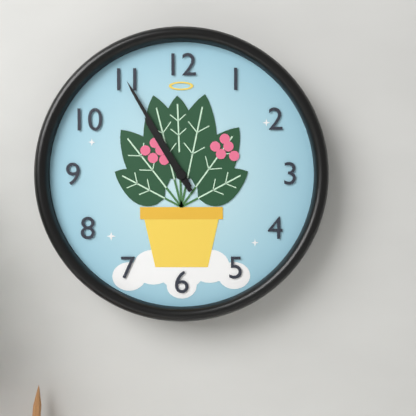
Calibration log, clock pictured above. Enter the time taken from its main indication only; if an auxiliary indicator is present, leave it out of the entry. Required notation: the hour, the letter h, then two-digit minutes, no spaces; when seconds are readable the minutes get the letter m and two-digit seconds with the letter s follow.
10h55
